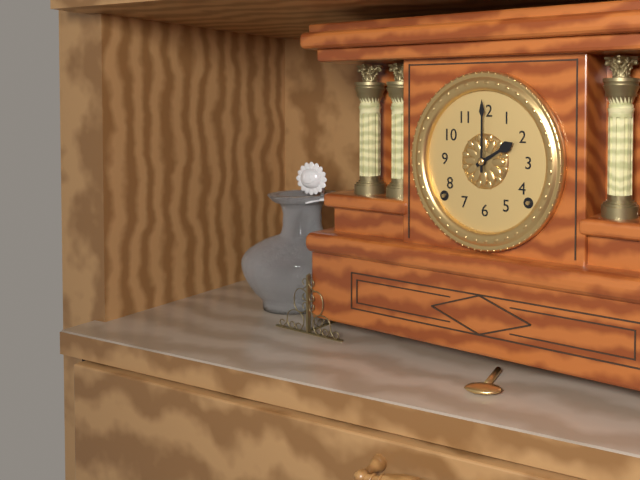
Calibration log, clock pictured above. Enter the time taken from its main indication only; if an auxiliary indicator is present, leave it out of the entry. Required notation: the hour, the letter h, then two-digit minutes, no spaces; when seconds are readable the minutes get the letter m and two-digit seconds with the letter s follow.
2h00
